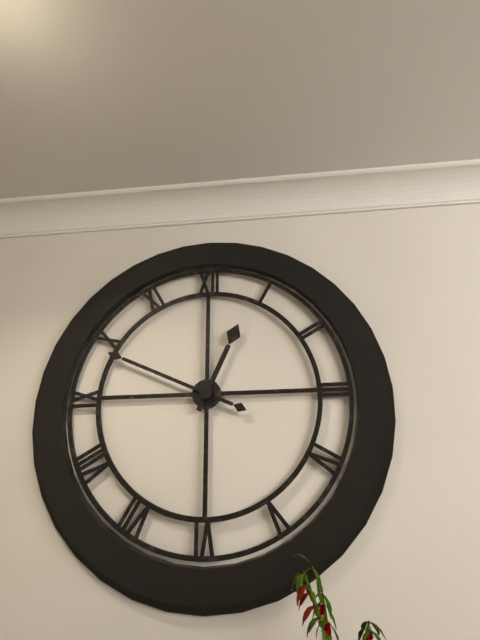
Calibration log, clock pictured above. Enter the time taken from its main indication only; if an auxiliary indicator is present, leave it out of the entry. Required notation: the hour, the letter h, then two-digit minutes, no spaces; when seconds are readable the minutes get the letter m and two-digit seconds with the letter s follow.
12h49
